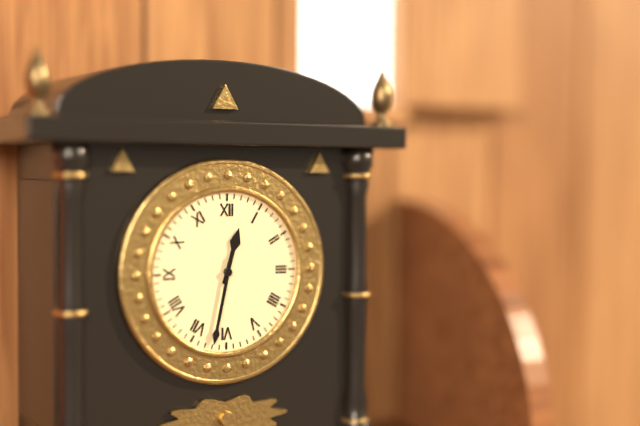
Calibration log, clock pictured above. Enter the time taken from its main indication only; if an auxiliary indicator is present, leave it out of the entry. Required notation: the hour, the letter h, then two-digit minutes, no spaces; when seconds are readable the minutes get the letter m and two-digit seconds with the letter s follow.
12h32
